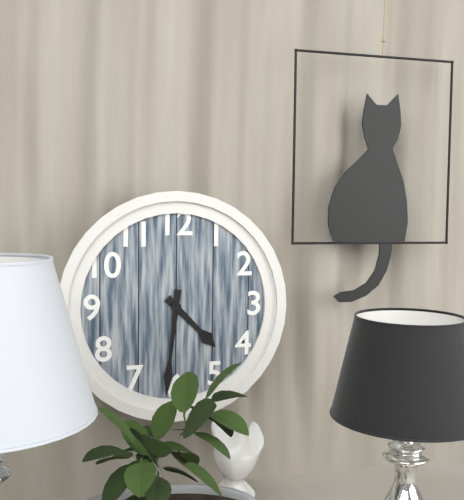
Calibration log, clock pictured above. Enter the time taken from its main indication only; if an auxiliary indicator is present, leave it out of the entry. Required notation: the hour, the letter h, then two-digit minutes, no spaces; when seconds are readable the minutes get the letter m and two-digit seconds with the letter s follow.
4h31
